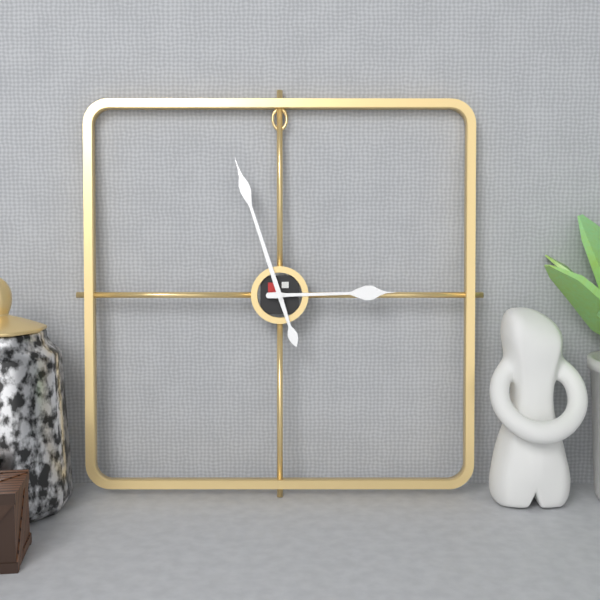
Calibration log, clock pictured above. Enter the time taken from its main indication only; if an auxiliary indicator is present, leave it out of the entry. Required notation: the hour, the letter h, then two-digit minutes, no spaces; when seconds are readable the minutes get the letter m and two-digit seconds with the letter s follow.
2h57
